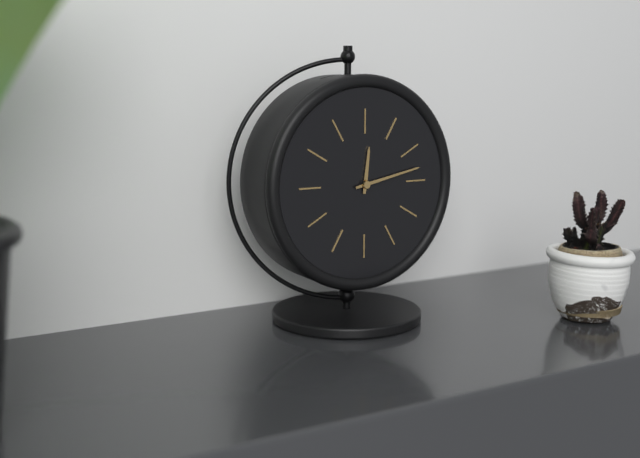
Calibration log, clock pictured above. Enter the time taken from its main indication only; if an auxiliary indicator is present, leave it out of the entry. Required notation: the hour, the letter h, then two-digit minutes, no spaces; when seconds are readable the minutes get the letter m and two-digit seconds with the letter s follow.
12h13
